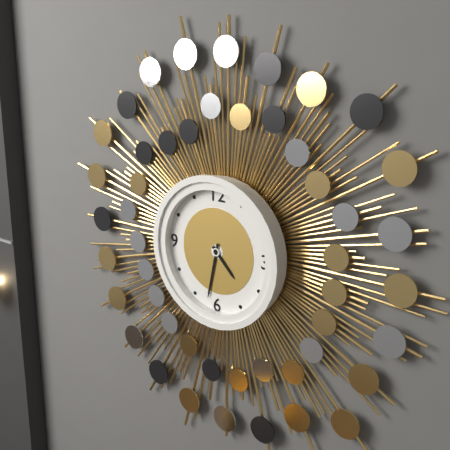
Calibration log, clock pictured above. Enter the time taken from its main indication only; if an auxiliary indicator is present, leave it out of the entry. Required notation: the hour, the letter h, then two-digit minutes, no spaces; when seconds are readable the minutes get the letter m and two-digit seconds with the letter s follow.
4h32
